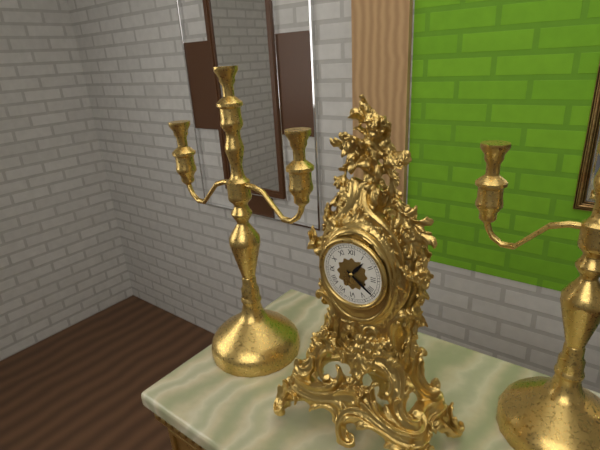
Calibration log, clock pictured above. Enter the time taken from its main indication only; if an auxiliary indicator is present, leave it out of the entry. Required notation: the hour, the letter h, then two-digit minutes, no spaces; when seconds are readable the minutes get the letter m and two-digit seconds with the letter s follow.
1h21
